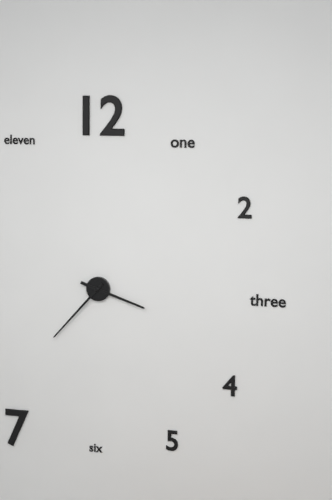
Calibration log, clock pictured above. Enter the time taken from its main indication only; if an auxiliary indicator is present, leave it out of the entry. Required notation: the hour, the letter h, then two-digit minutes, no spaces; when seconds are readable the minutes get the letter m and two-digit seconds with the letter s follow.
3h37
